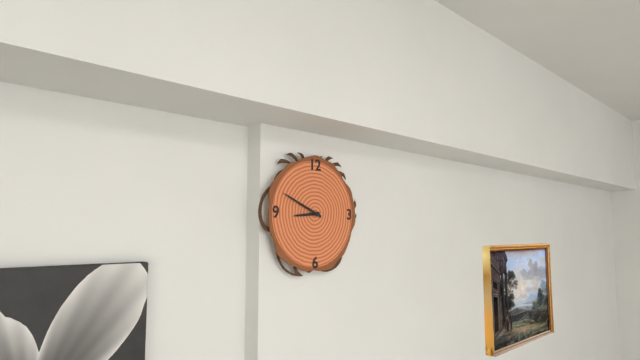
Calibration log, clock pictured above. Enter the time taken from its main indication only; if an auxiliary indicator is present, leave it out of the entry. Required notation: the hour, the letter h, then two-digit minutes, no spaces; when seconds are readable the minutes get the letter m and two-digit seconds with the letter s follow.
8h49
